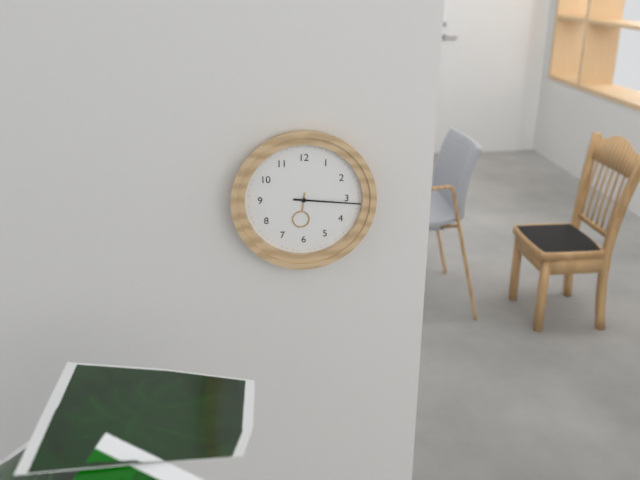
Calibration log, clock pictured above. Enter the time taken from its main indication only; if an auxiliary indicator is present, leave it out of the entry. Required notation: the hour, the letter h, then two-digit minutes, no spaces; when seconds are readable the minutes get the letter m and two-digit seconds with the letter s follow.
6h16
